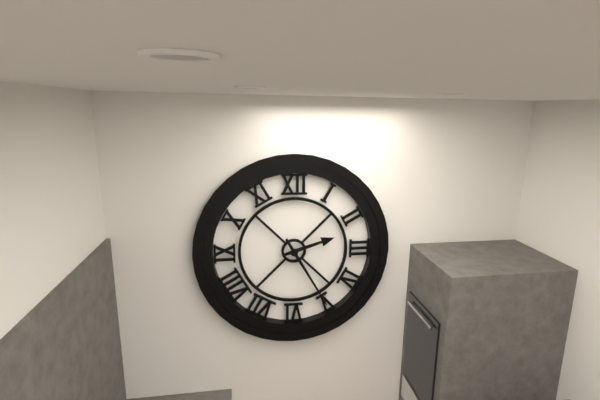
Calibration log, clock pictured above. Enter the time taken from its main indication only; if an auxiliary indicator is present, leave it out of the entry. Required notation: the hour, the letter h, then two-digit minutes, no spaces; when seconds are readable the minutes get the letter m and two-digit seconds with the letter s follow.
2h25
